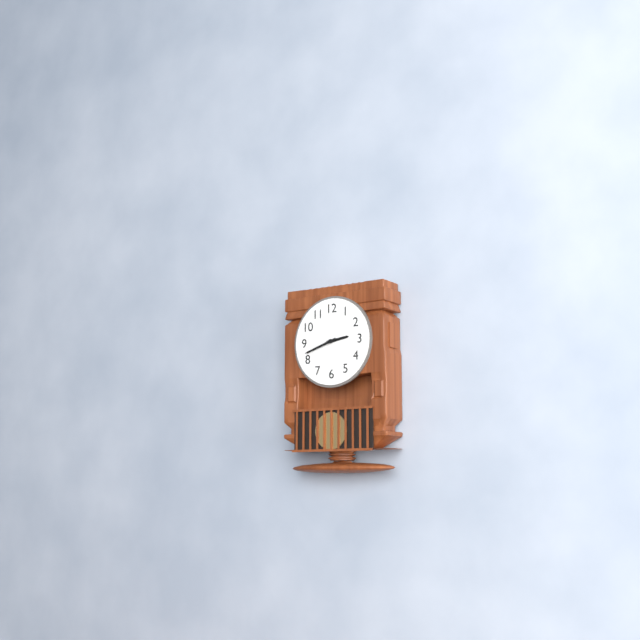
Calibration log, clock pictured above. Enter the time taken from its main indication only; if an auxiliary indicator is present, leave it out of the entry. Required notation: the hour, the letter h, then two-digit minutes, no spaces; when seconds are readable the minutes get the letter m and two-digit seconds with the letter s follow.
2h42
